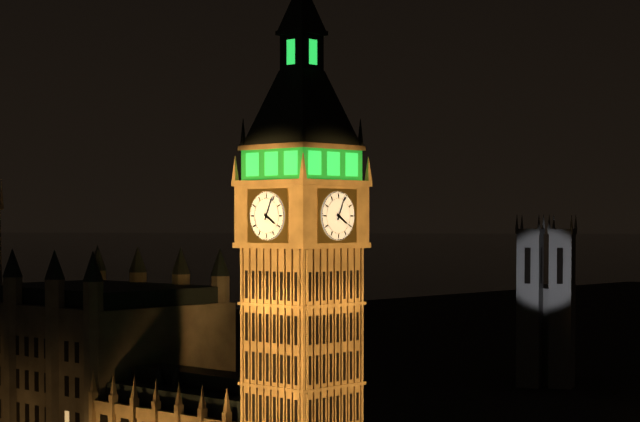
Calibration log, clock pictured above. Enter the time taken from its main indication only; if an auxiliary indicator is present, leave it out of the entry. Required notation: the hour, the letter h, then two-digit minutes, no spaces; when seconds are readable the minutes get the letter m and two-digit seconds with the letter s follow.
4h04
